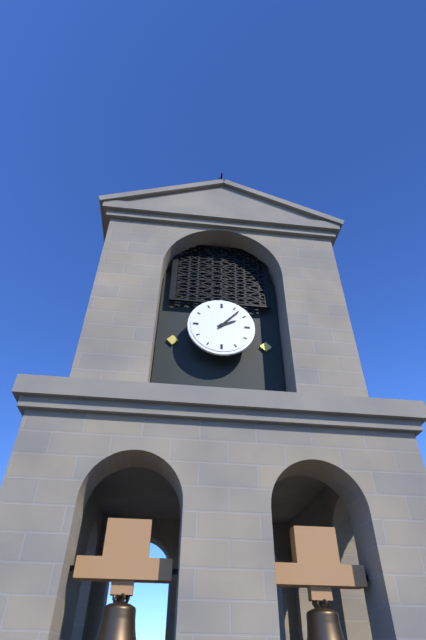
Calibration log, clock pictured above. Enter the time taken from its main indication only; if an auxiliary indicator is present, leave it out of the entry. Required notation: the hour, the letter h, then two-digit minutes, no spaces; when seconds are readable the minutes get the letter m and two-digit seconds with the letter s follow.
2h07
